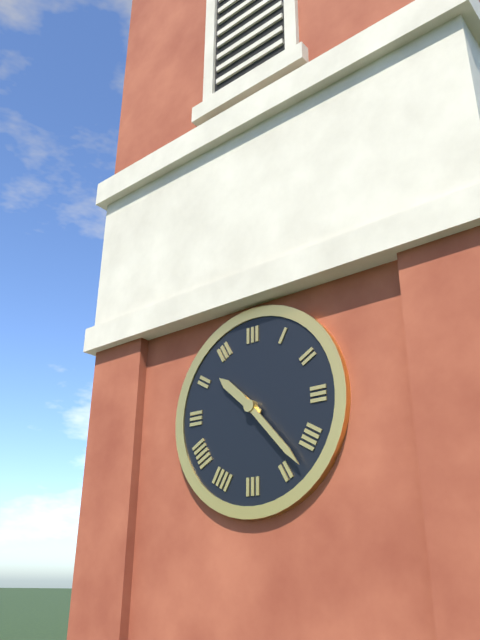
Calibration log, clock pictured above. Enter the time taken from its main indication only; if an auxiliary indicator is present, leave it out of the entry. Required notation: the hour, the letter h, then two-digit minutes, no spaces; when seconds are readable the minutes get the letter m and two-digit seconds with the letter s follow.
10h23
